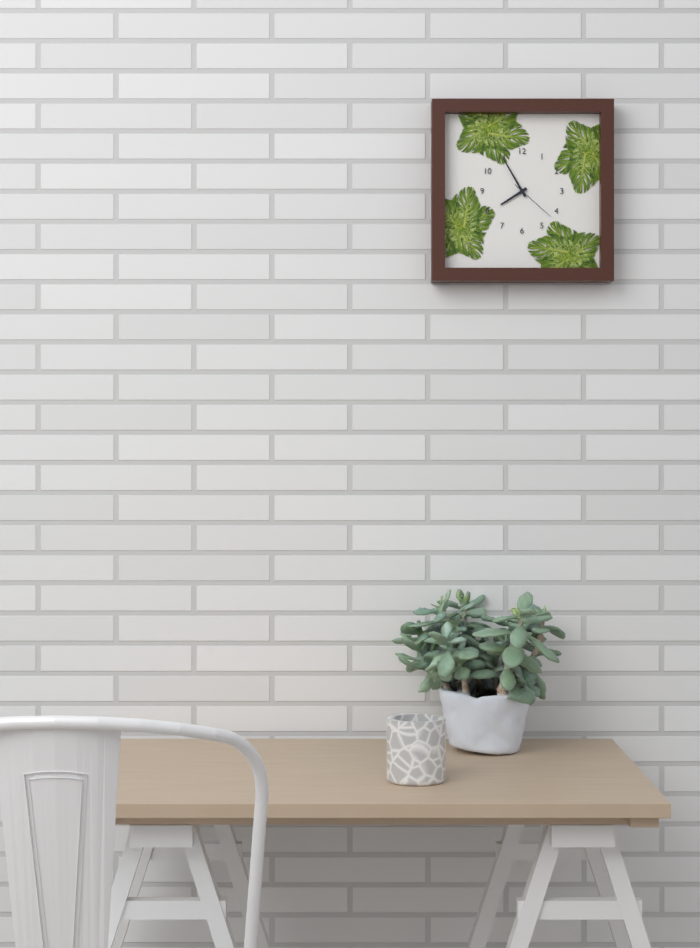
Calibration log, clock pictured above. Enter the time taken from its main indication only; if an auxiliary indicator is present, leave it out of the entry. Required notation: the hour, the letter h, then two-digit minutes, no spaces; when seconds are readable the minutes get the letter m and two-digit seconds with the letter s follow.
7h55
